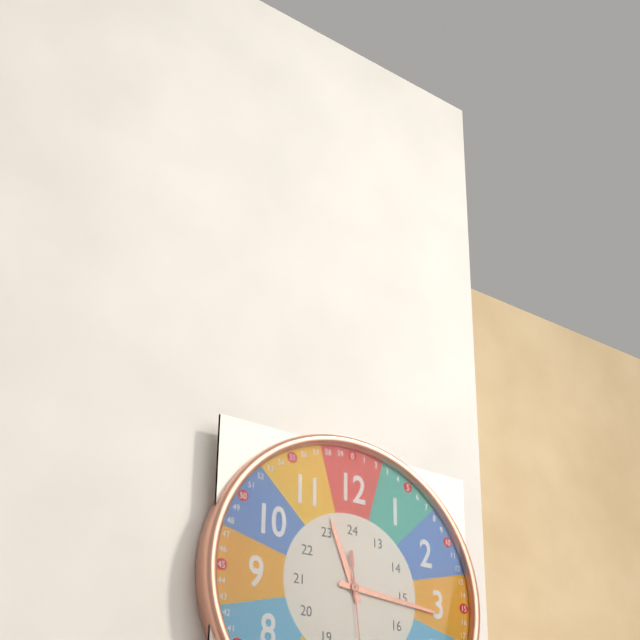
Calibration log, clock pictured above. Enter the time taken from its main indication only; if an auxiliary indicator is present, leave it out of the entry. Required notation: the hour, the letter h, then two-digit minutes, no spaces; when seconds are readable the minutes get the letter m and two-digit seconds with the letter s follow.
11h16
